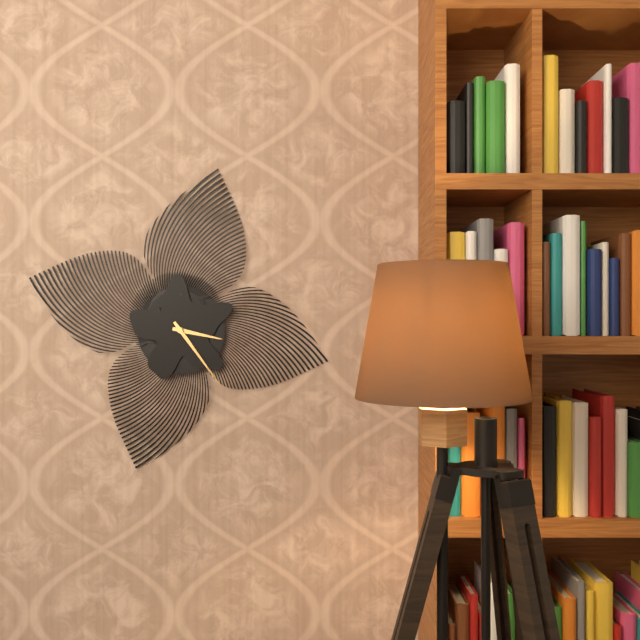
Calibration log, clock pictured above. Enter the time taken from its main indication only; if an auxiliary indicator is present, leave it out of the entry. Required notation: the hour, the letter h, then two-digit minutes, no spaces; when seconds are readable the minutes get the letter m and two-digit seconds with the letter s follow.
3h24
